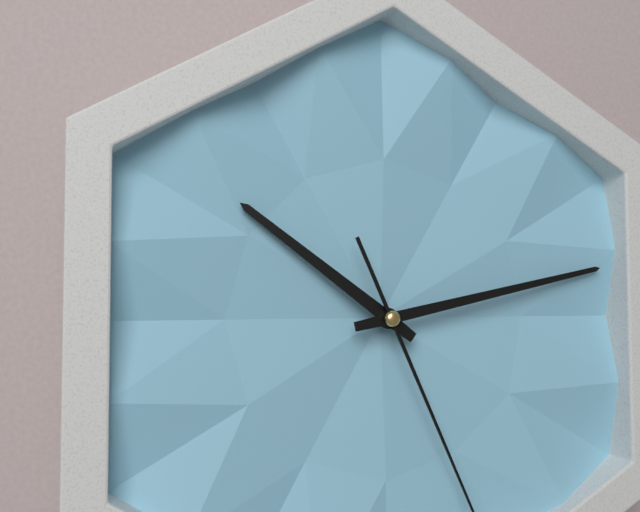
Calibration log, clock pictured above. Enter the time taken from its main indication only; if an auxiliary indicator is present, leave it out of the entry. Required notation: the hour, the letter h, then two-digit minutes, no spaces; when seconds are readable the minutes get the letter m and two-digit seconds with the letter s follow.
10h13
